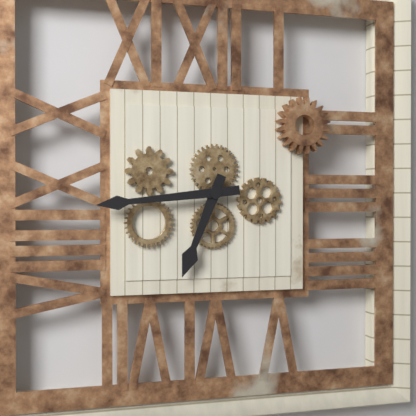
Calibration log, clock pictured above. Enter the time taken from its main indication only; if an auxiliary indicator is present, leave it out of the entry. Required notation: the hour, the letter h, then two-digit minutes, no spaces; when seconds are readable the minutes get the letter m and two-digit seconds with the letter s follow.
6h44
